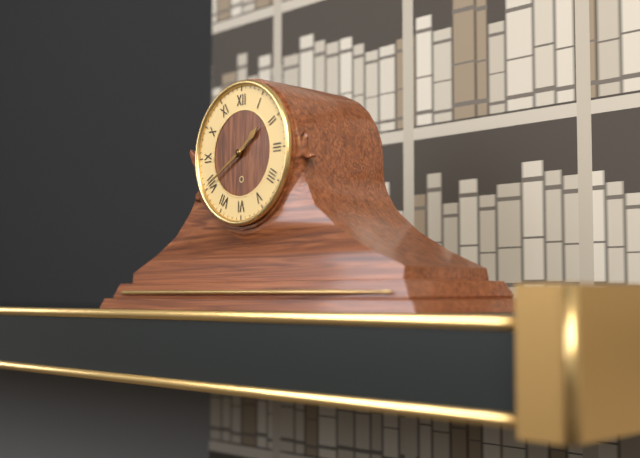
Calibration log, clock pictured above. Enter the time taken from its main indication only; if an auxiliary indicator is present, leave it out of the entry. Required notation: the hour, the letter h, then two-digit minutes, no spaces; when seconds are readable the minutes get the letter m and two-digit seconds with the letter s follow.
1h40
